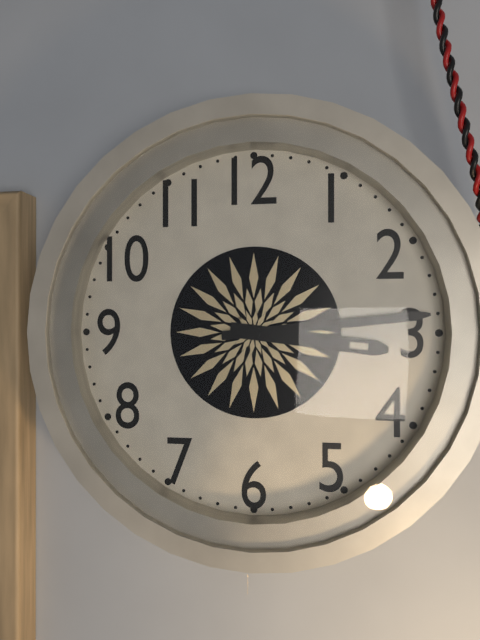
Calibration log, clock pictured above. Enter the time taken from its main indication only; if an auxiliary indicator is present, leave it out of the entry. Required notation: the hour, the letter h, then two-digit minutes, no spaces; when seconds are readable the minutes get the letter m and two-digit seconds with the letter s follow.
3h14
